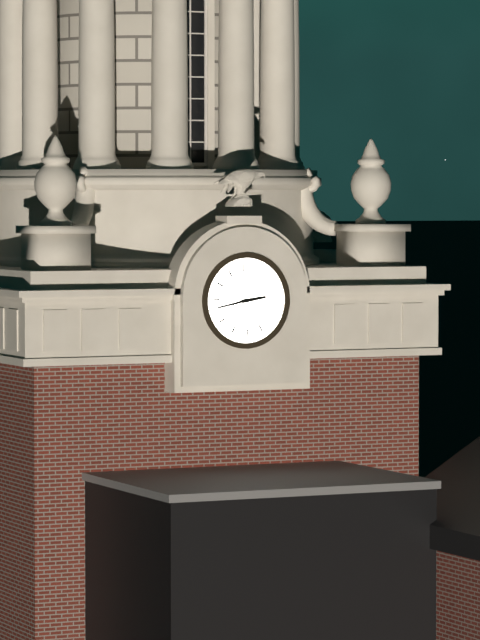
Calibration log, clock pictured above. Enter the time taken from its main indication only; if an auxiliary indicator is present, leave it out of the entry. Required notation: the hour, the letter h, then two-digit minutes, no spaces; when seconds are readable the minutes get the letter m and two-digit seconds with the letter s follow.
2h43
